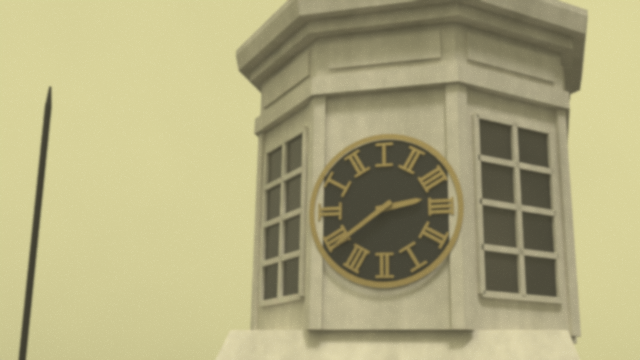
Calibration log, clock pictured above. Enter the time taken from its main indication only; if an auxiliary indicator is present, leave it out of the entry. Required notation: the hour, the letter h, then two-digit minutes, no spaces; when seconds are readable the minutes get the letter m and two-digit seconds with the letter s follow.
2h39
